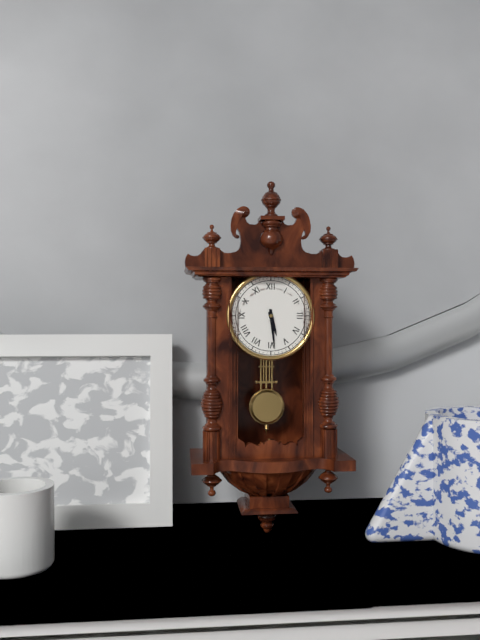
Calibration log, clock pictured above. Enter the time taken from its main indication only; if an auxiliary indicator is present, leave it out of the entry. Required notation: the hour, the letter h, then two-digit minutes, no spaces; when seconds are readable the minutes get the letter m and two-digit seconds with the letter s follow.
5h29
